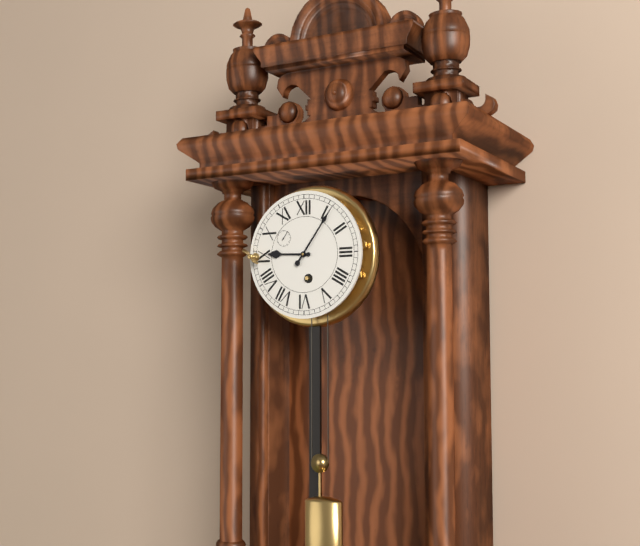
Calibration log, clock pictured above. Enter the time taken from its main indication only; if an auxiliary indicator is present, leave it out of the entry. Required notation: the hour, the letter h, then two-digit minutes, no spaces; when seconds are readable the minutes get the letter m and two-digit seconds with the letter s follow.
9h06
